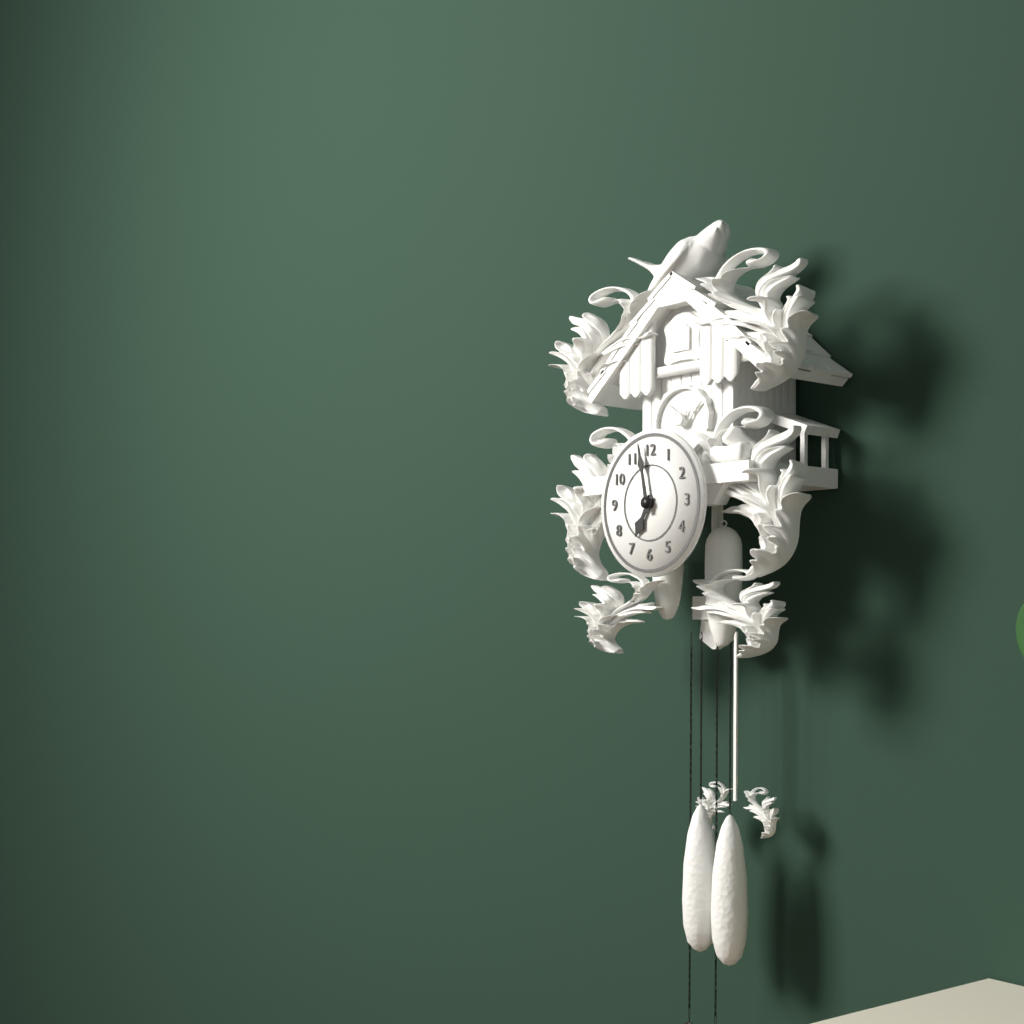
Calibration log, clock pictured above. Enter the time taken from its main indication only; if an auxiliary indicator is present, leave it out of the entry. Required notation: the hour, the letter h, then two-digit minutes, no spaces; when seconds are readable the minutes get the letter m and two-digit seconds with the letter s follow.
6h58
